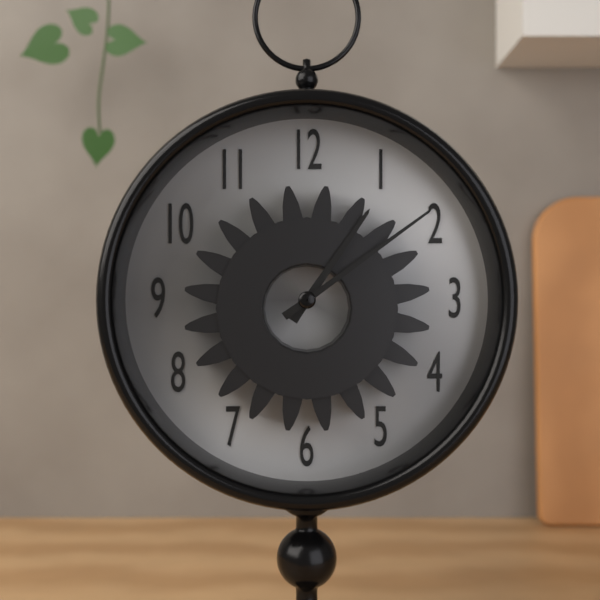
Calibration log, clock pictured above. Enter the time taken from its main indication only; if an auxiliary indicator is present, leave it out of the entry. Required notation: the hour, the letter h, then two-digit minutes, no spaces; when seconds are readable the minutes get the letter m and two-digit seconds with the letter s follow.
1h09
